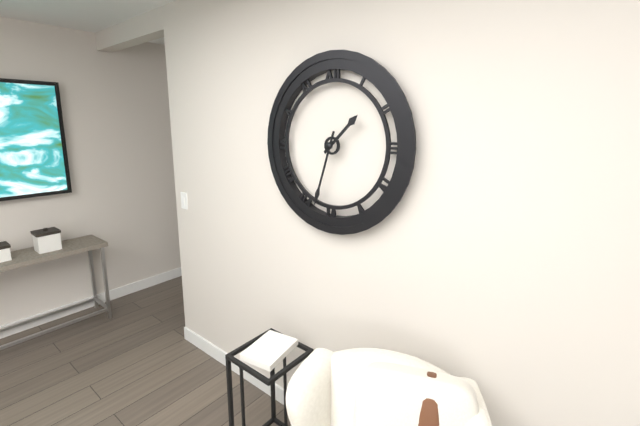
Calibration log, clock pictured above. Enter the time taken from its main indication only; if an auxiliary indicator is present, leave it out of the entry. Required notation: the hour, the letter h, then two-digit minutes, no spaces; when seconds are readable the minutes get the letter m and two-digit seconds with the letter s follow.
1h33
